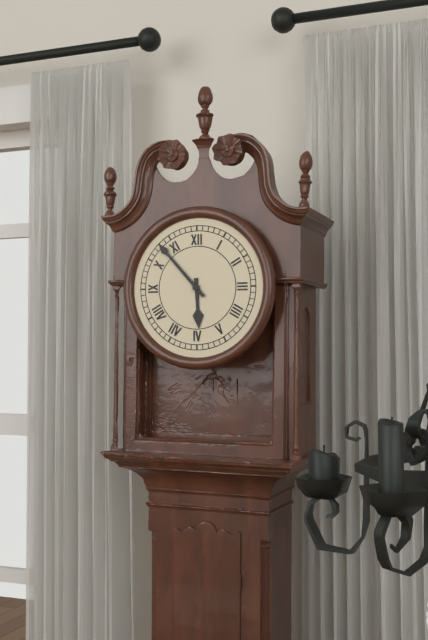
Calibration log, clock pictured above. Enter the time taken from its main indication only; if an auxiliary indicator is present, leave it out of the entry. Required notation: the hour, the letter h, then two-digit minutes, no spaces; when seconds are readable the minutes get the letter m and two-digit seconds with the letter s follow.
5h53
